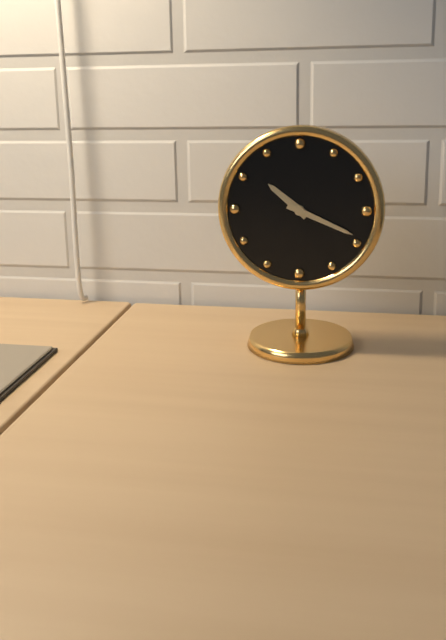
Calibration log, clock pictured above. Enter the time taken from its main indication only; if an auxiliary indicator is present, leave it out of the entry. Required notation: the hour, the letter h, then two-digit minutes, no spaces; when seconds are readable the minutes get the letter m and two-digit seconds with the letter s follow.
10h19
